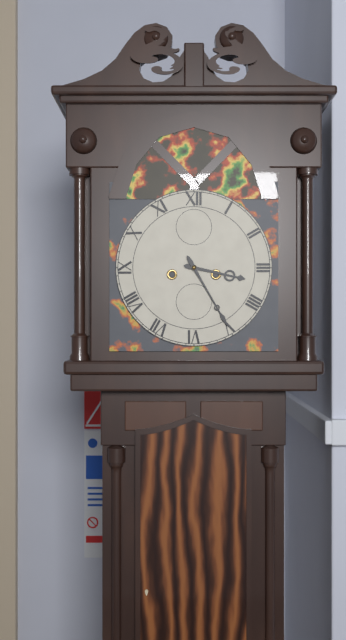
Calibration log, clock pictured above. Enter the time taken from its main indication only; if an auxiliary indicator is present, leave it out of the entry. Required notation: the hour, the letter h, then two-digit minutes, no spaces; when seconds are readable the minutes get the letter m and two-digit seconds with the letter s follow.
3h25
